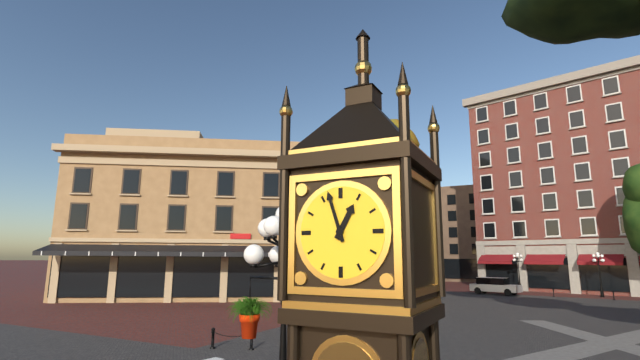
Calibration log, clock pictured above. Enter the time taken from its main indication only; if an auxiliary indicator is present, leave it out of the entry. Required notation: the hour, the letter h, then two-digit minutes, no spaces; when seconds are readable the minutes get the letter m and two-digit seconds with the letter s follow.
12h57
